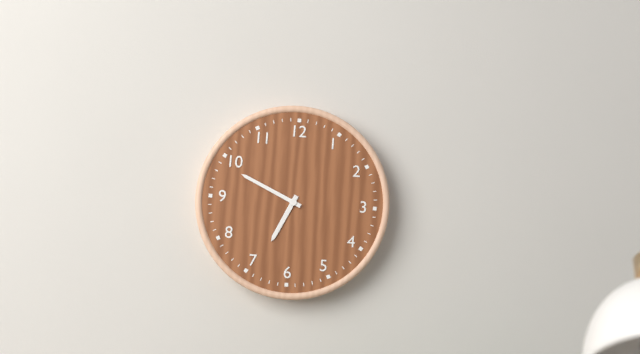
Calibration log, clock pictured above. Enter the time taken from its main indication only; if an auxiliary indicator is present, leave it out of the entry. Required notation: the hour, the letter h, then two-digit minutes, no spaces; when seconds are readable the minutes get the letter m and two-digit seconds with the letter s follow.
6h49
